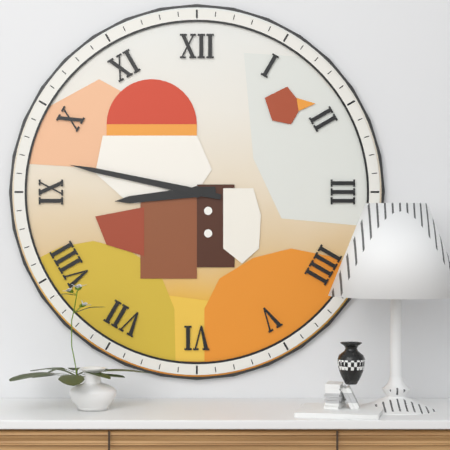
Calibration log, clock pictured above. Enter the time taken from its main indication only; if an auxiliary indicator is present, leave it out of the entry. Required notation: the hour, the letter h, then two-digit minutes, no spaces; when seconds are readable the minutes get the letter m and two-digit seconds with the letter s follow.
8h47
